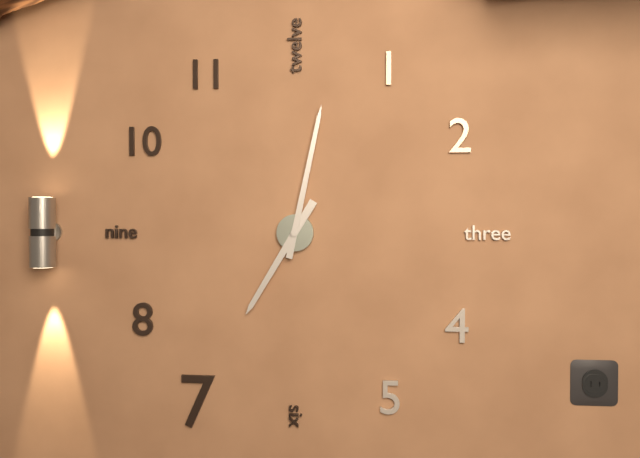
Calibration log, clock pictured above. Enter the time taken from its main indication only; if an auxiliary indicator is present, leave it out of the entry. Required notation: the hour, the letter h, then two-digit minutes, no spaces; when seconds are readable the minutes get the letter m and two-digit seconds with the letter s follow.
7h02
